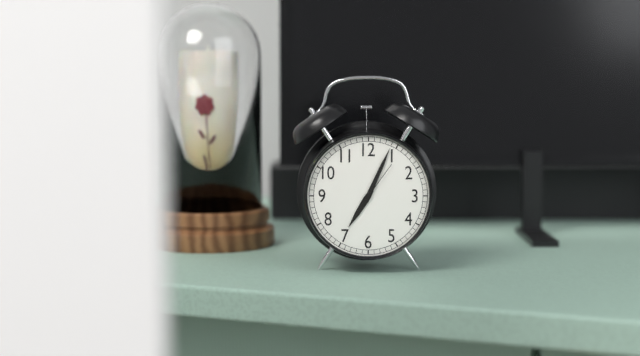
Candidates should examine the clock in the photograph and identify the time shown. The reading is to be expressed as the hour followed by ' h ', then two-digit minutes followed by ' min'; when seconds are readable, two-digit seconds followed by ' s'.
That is 7 h 04 min
